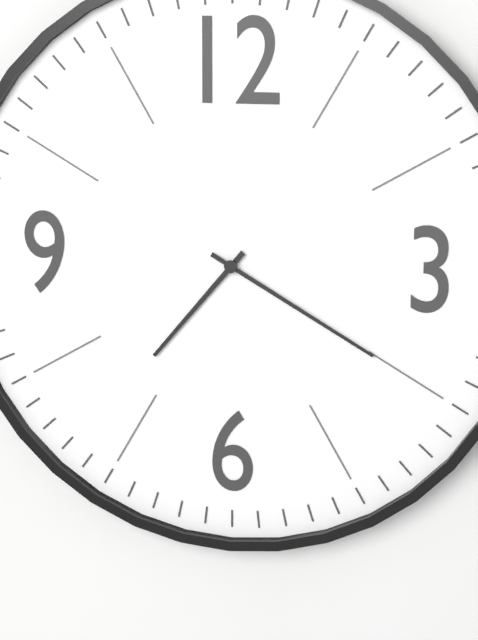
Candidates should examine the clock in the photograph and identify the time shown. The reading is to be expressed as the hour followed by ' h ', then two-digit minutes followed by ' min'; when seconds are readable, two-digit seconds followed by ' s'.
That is 7 h 20 min
